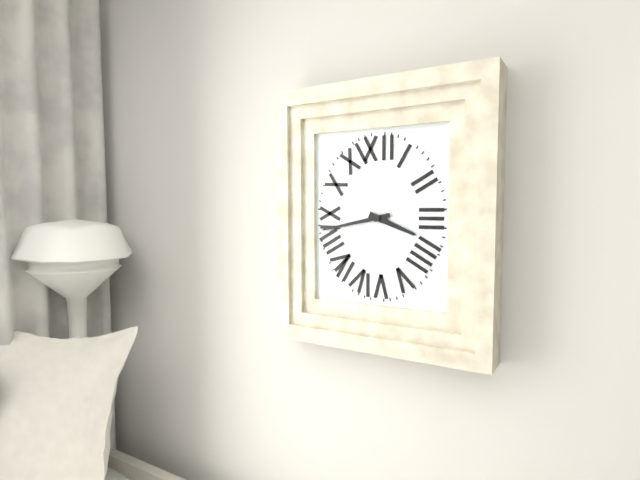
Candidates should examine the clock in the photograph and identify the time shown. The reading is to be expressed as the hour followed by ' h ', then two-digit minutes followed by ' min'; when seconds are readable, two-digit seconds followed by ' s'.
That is 3 h 43 min
